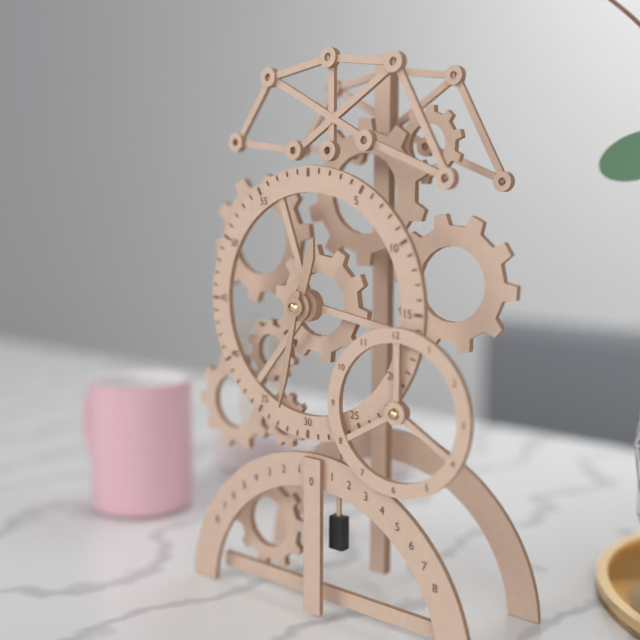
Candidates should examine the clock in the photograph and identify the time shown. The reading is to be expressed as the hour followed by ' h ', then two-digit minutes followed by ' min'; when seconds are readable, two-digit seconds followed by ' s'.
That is 12 h 32 min
